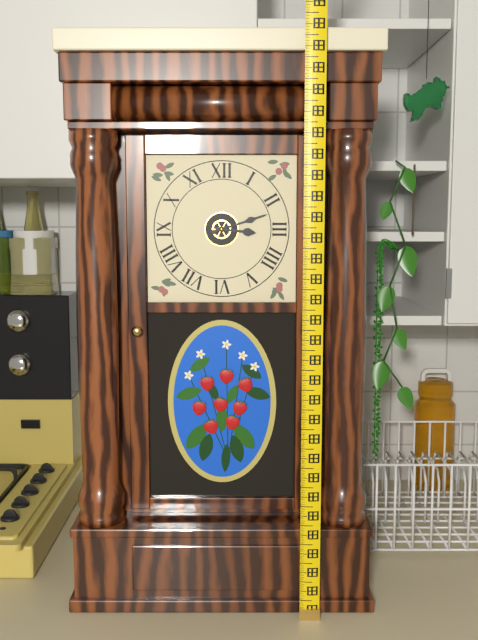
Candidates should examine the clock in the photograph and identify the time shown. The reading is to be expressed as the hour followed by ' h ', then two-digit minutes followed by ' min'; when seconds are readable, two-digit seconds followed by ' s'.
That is 3 h 12 min
